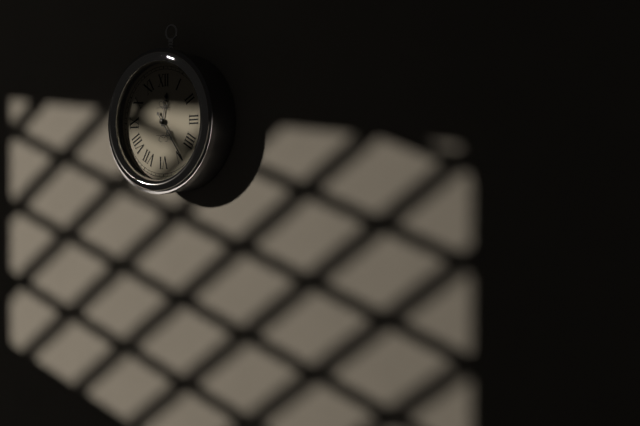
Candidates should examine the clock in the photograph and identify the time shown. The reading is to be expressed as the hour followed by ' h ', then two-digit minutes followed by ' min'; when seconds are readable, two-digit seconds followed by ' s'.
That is 12 h 24 min
